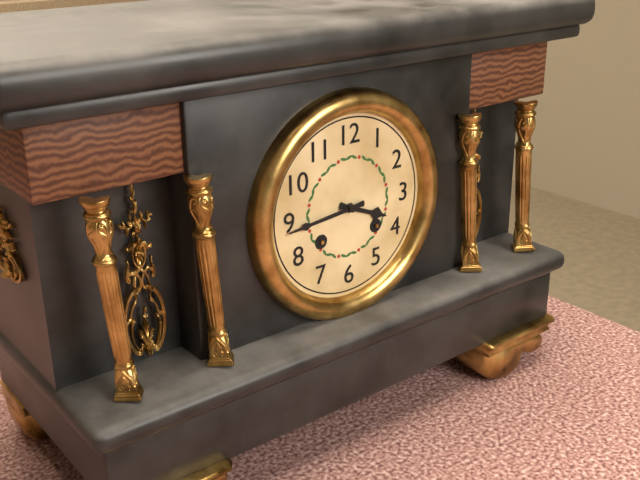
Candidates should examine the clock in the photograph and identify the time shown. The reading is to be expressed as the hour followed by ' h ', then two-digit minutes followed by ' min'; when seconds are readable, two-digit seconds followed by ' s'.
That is 3 h 44 min
